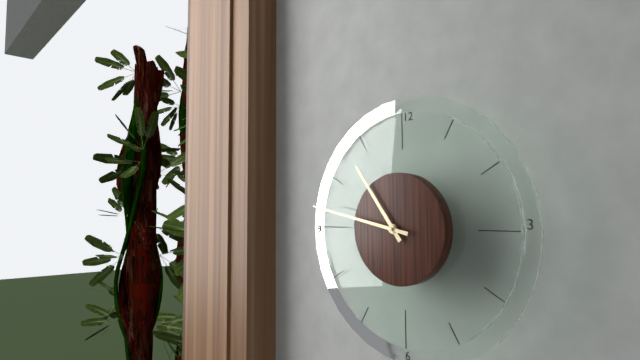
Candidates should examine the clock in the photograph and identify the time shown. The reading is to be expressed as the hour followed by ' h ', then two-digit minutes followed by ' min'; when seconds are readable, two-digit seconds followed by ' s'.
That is 10 h 47 min
